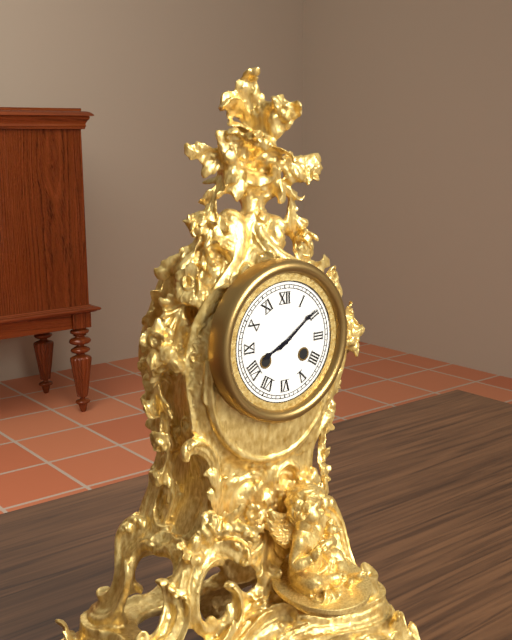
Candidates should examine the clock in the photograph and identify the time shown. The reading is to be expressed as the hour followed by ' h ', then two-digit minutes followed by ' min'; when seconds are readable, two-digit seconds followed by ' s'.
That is 8 h 09 min
